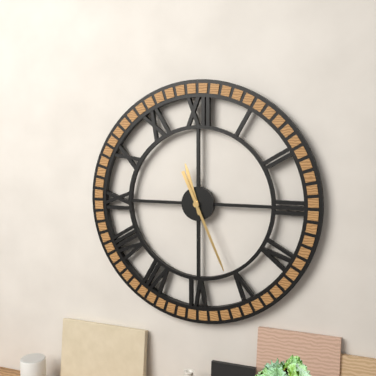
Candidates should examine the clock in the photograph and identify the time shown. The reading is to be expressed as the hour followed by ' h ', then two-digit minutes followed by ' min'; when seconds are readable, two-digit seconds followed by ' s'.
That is 11 h 26 min
